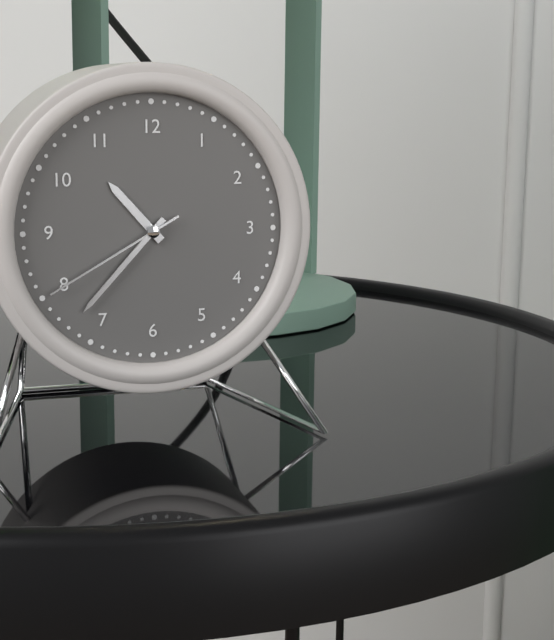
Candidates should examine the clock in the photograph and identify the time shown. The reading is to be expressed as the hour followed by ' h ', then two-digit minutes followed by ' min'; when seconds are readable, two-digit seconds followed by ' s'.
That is 10 h 37 min 40 s
